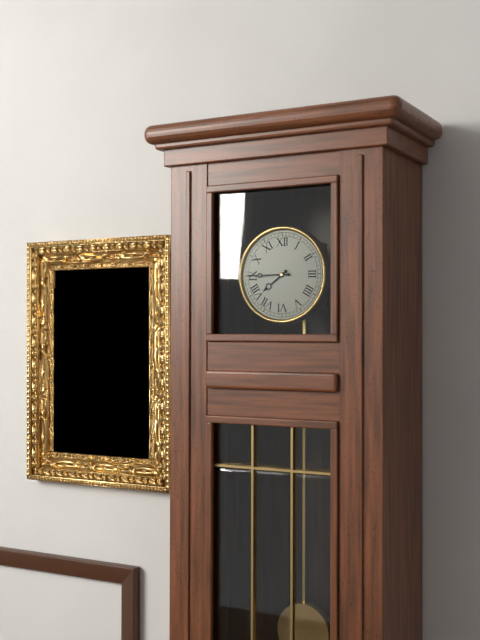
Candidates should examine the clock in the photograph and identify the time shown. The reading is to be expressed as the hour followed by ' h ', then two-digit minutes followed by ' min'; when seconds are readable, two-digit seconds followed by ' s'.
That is 7 h 45 min
